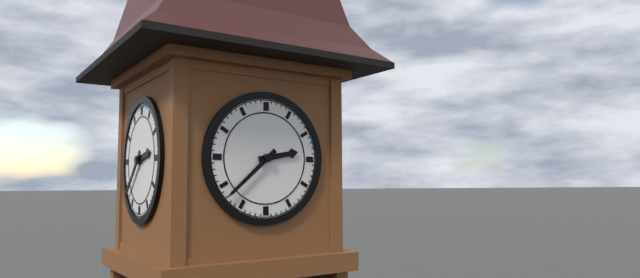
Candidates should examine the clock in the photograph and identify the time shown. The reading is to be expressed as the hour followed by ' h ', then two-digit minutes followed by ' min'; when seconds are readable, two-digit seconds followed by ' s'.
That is 2 h 38 min
